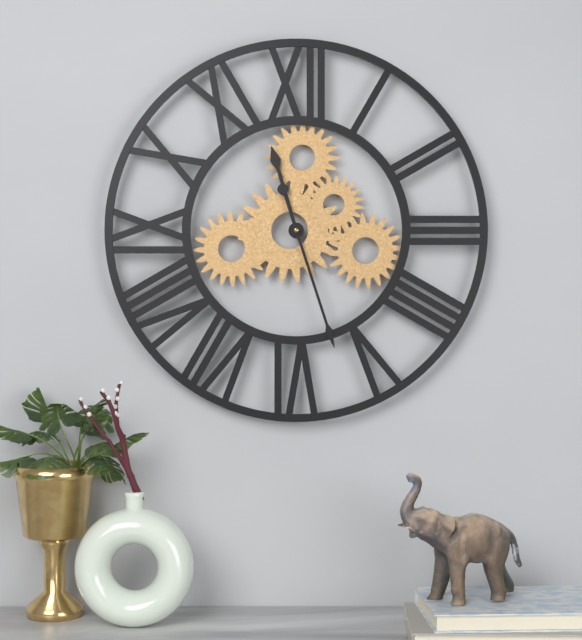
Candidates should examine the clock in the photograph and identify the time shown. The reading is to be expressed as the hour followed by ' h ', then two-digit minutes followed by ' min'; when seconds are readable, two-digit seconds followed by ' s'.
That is 11 h 27 min
